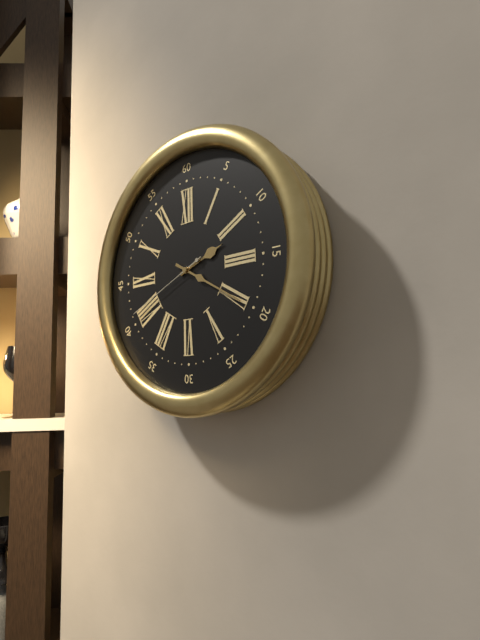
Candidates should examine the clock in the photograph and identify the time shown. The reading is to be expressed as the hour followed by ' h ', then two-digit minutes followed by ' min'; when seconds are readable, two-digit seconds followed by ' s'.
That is 2 h 20 min 41 s
